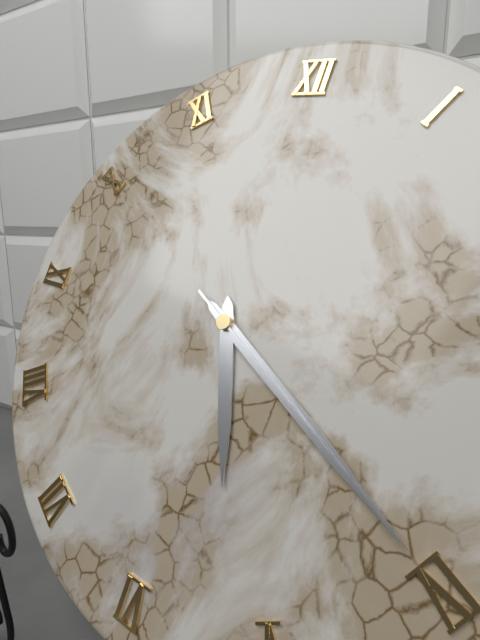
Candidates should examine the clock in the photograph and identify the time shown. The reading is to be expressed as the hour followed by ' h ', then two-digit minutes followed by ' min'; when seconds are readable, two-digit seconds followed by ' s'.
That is 5 h 20 min 20 s
